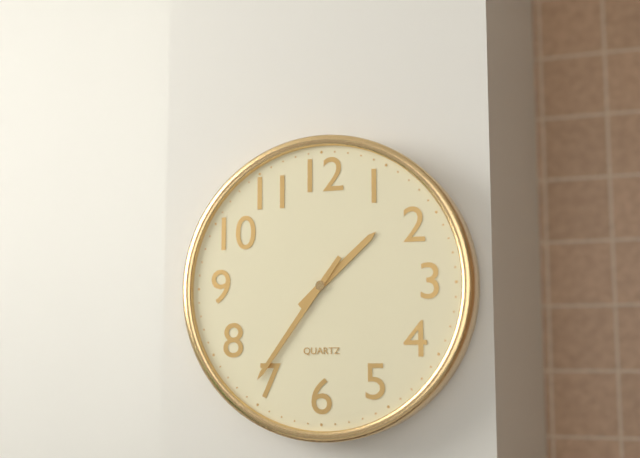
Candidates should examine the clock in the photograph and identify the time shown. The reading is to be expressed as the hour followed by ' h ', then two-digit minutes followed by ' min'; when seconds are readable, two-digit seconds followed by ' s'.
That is 1 h 36 min
